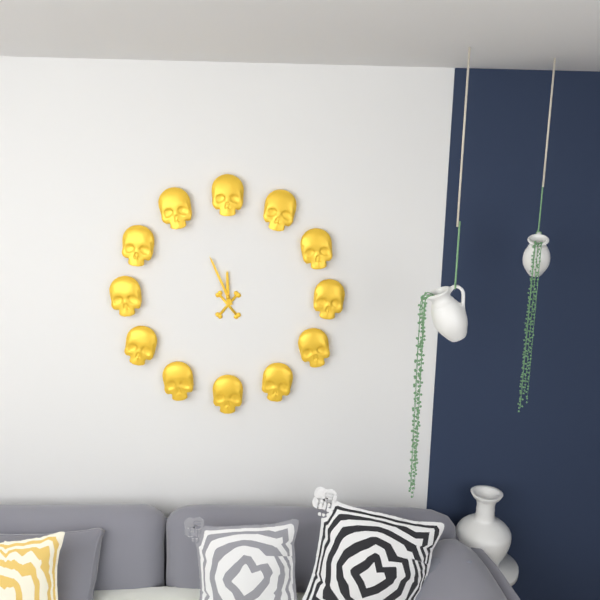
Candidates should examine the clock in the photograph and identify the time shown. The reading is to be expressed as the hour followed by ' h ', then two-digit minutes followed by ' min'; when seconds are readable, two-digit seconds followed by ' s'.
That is 11 h 56 min
